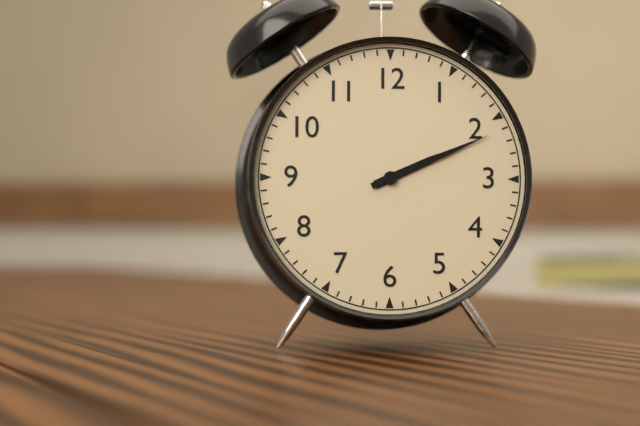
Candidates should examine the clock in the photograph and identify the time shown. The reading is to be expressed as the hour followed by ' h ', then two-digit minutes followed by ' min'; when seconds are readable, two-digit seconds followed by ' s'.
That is 2 h 11 min
